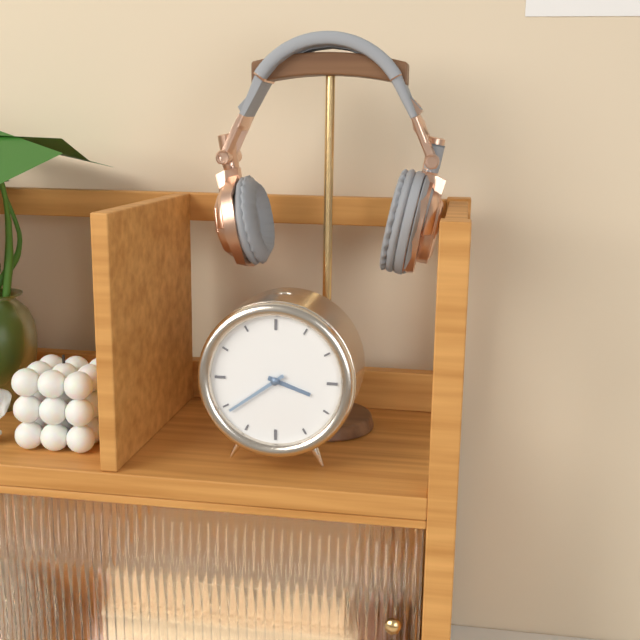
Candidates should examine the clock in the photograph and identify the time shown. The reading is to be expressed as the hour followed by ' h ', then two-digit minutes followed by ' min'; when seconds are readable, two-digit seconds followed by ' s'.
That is 3 h 39 min
